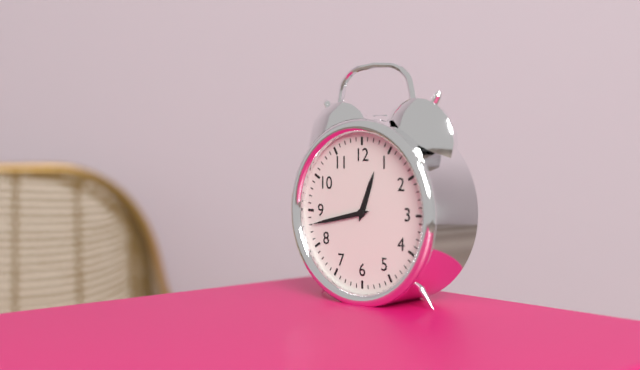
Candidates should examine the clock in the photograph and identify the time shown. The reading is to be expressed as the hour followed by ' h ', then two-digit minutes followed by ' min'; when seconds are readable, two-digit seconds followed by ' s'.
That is 12 h 43 min
